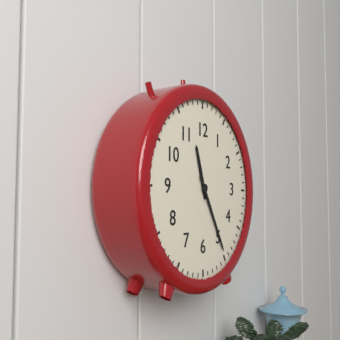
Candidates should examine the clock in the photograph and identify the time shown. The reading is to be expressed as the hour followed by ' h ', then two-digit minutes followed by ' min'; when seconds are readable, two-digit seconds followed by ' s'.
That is 11 h 25 min
